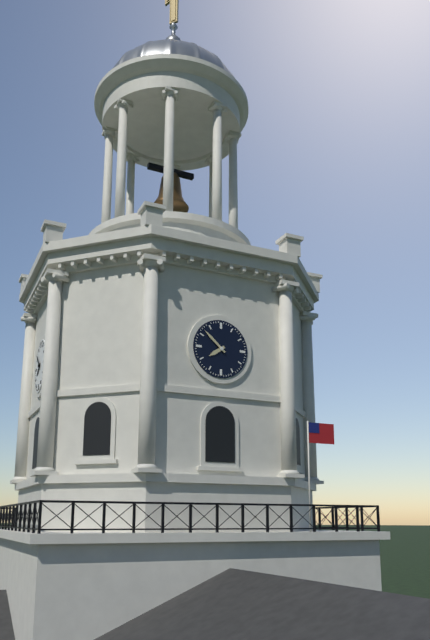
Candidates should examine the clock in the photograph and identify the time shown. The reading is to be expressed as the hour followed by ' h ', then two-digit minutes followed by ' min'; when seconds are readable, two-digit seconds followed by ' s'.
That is 7 h 52 min
